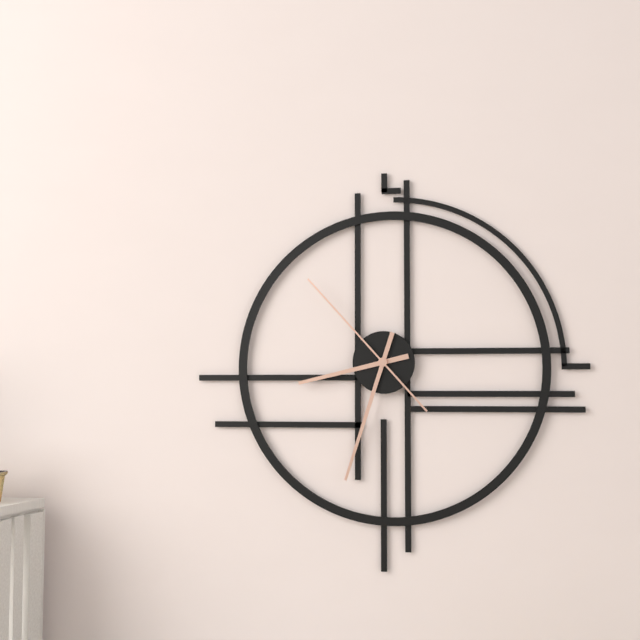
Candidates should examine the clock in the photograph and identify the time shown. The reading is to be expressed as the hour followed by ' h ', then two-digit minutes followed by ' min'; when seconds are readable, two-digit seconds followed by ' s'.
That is 8 h 33 min 53 s
